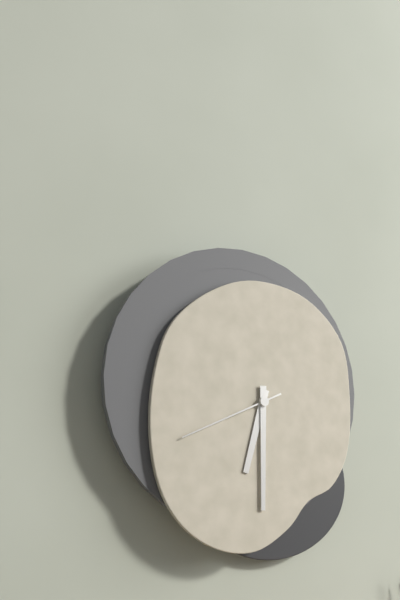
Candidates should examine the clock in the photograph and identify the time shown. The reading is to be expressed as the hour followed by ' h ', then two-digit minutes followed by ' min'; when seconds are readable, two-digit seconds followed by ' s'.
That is 6 h 30 min 41 s
